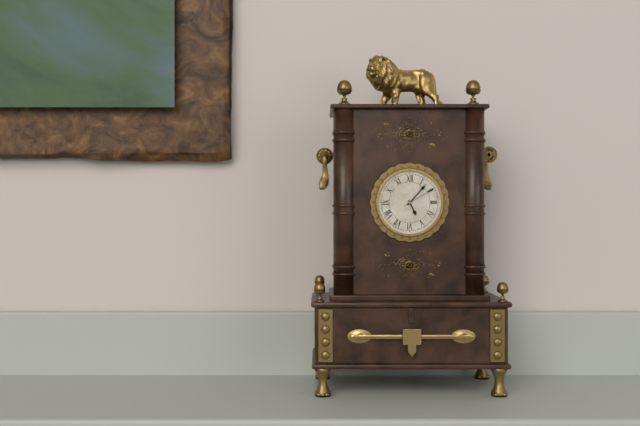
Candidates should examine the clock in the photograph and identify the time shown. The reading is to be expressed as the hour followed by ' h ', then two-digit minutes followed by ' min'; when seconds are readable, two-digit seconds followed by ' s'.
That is 5 h 07 min
